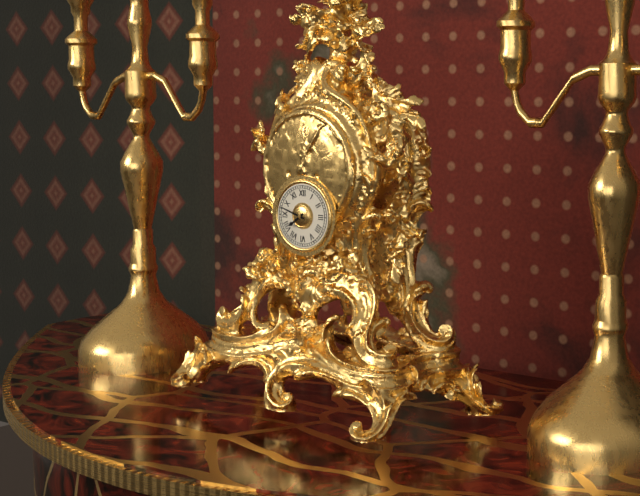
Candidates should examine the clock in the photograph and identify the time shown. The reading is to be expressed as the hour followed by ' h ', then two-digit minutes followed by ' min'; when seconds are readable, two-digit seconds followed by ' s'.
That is 7 h 48 min
